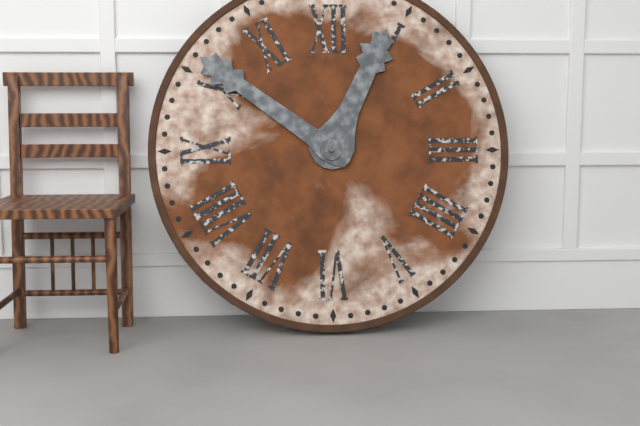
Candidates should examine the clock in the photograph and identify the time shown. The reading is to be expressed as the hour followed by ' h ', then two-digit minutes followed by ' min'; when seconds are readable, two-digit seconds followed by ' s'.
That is 12 h 51 min
